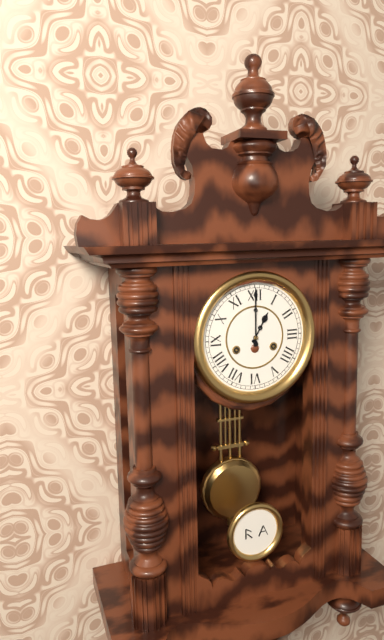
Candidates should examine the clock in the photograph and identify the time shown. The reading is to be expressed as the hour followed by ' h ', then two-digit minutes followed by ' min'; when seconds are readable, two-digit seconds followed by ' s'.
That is 1 h 00 min
